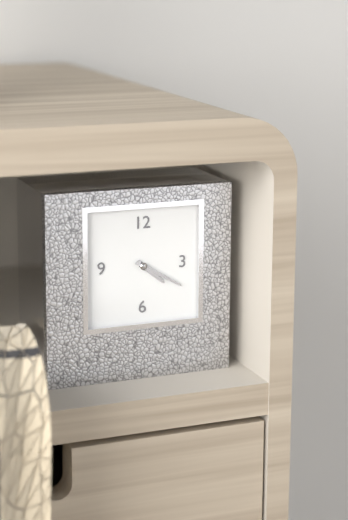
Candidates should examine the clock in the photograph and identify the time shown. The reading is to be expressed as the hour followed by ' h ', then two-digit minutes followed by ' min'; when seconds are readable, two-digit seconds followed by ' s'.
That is 4 h 20 min
